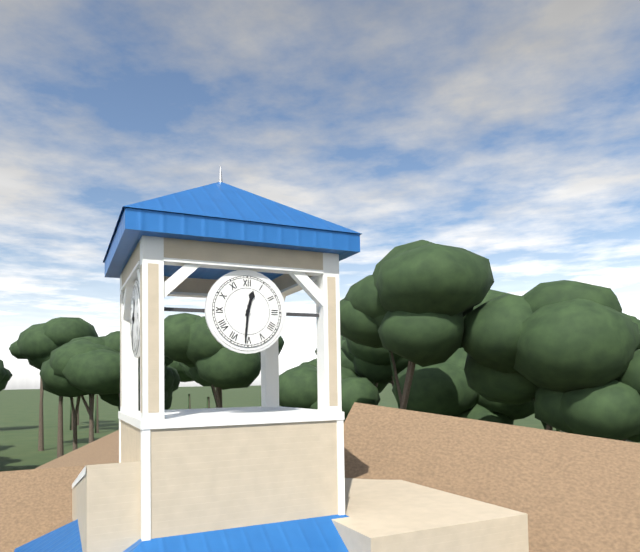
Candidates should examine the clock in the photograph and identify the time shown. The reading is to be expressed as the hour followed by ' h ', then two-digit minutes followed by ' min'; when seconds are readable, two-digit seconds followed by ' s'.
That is 12 h 31 min
